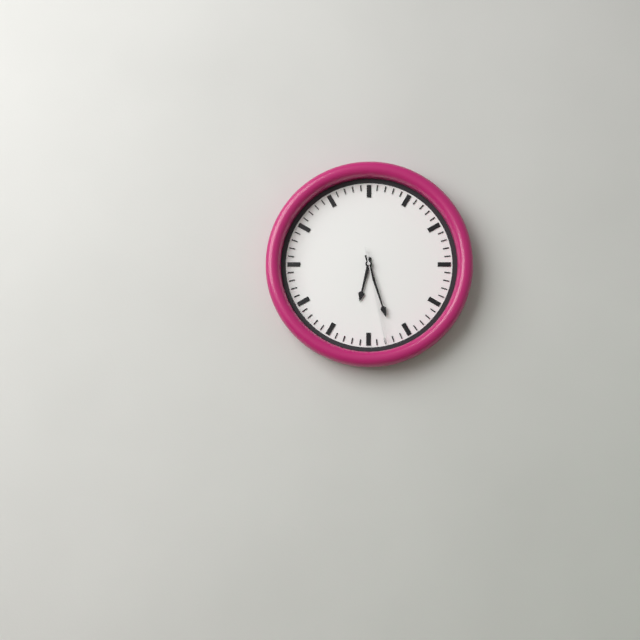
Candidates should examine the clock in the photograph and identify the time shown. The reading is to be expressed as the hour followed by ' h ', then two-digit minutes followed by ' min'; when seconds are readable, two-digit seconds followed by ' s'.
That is 6 h 27 min 28 s
